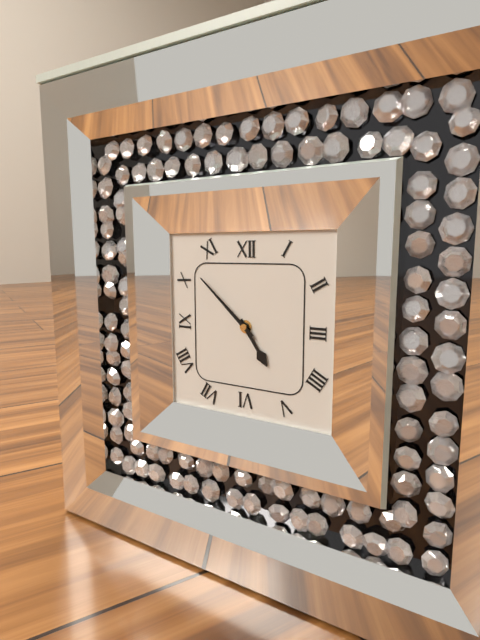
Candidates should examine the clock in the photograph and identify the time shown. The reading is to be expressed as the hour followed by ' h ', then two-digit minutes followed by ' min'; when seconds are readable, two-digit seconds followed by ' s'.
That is 4 h 52 min
